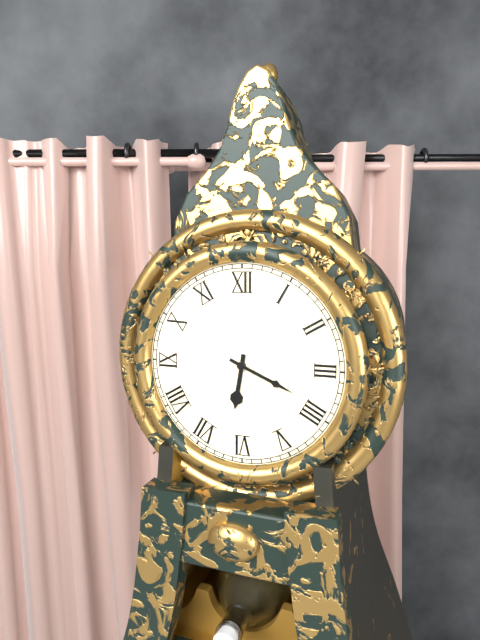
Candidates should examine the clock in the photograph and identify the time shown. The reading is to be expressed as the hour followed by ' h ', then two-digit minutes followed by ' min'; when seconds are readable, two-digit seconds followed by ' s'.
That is 6 h 19 min
